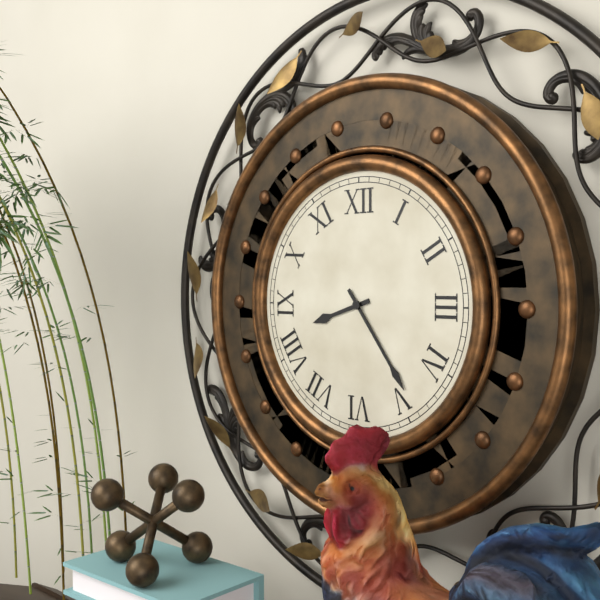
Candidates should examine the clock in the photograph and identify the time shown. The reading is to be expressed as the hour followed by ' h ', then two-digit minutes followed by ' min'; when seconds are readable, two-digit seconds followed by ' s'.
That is 8 h 24 min
